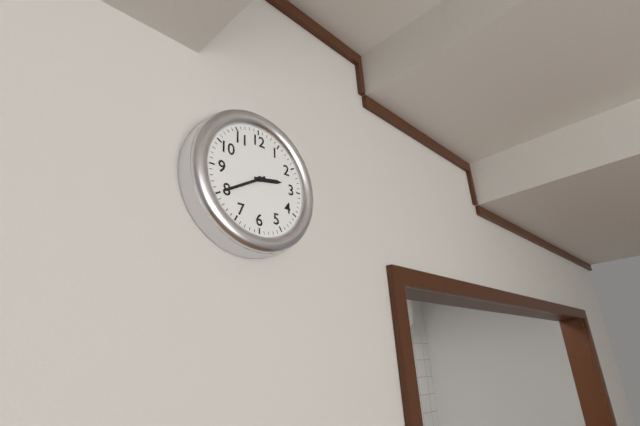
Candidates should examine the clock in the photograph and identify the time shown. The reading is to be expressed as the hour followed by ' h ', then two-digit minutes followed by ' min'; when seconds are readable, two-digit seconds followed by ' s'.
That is 2 h 40 min
